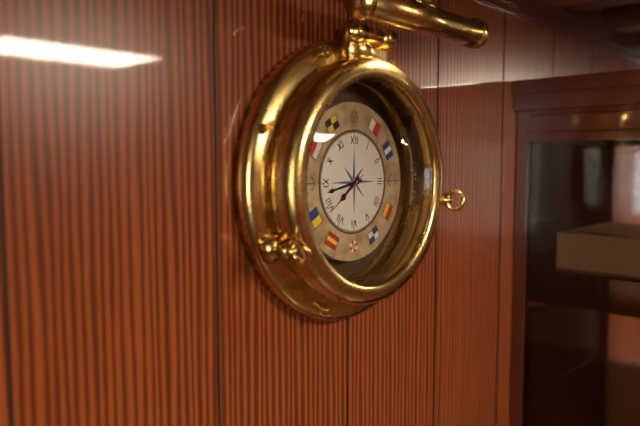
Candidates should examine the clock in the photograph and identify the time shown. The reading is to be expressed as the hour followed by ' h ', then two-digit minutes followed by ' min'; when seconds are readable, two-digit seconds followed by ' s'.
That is 7 h 43 min
